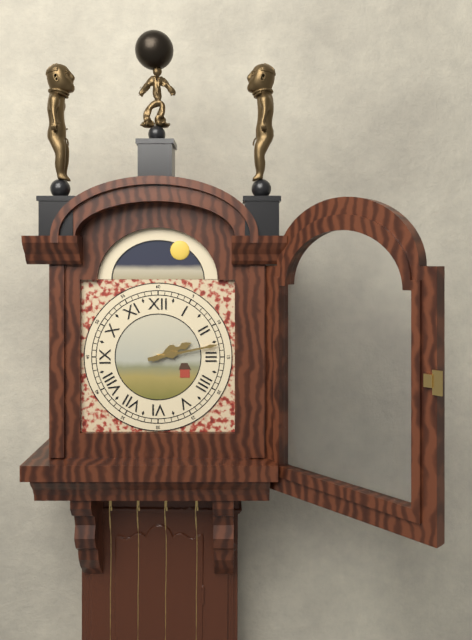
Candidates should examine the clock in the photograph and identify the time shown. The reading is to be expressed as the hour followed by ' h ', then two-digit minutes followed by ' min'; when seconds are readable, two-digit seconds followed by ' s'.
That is 2 h 13 min
